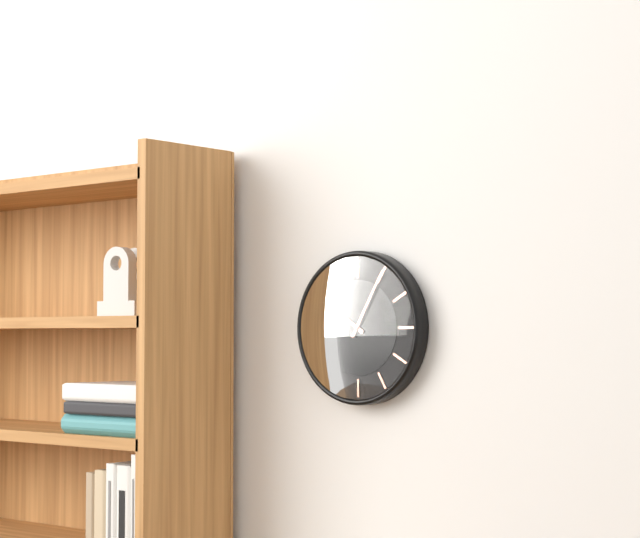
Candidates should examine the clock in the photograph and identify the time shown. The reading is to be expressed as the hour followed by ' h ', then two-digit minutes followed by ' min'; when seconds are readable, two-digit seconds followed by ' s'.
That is 10 h 05 min
